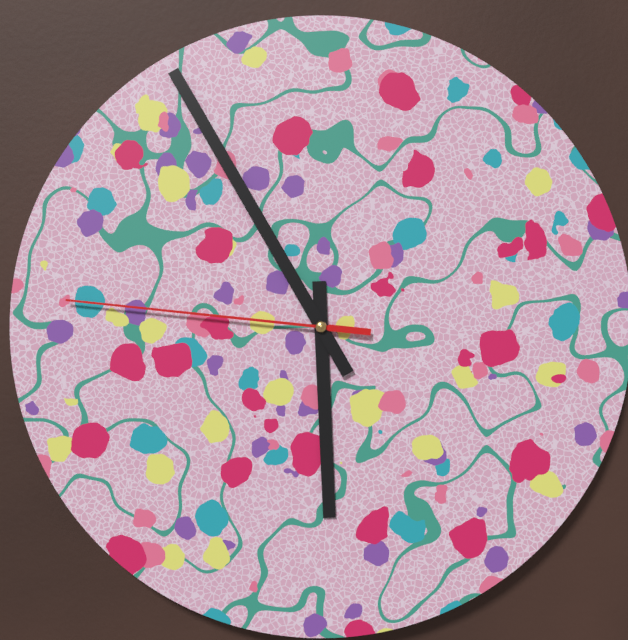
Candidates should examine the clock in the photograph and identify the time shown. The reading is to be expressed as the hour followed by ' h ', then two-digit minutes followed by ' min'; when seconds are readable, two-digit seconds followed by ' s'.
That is 5 h 55 min 46 s
